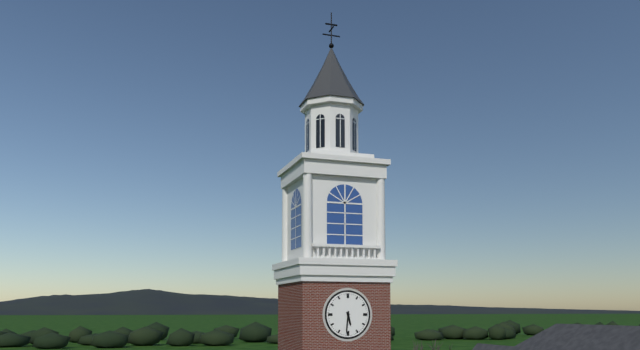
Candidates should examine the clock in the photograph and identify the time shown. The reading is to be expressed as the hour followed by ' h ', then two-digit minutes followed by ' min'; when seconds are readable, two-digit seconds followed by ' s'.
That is 5 h 31 min
